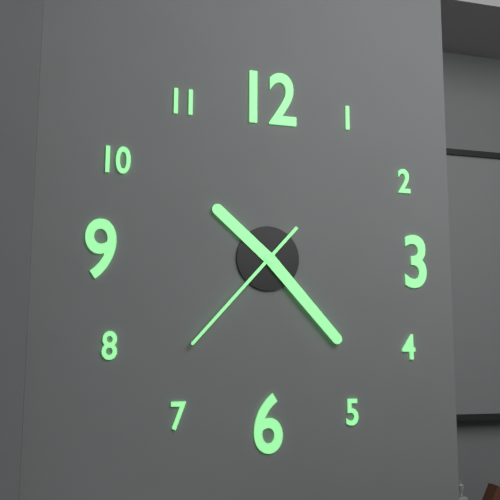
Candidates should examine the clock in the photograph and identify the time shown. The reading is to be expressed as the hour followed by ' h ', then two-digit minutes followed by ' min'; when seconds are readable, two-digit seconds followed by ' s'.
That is 10 h 23 min 37 s
